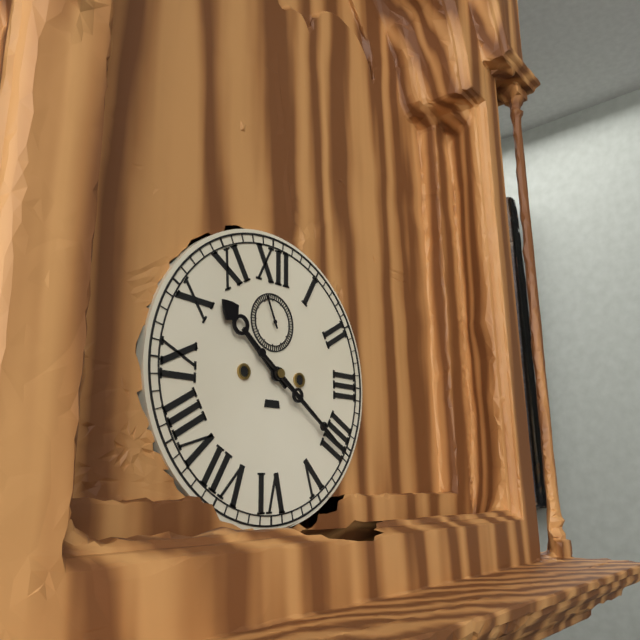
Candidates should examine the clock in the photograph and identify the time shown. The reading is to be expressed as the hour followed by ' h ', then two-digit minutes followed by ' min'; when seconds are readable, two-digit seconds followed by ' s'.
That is 10 h 21 min
